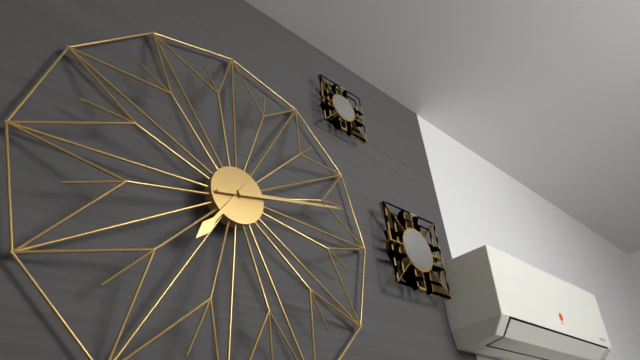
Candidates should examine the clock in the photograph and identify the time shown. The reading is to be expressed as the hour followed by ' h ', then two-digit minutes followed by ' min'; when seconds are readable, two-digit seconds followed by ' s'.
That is 7 h 13 min
